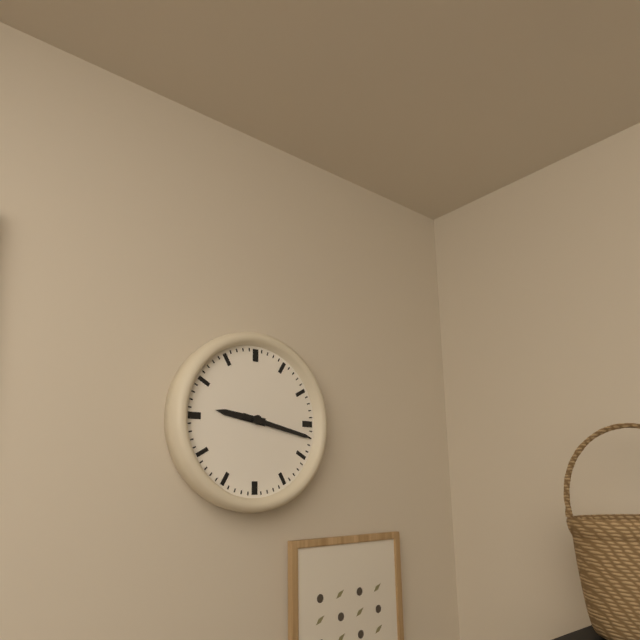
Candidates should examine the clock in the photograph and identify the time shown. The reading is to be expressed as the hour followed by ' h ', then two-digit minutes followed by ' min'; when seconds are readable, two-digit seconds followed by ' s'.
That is 9 h 17 min
